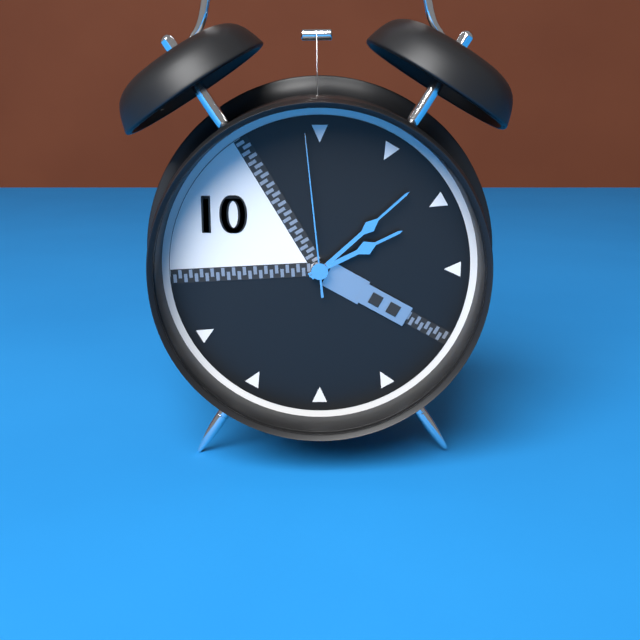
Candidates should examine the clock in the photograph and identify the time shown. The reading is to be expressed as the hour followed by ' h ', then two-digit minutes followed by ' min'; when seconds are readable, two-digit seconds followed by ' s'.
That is 2 h 08 min 59 s
